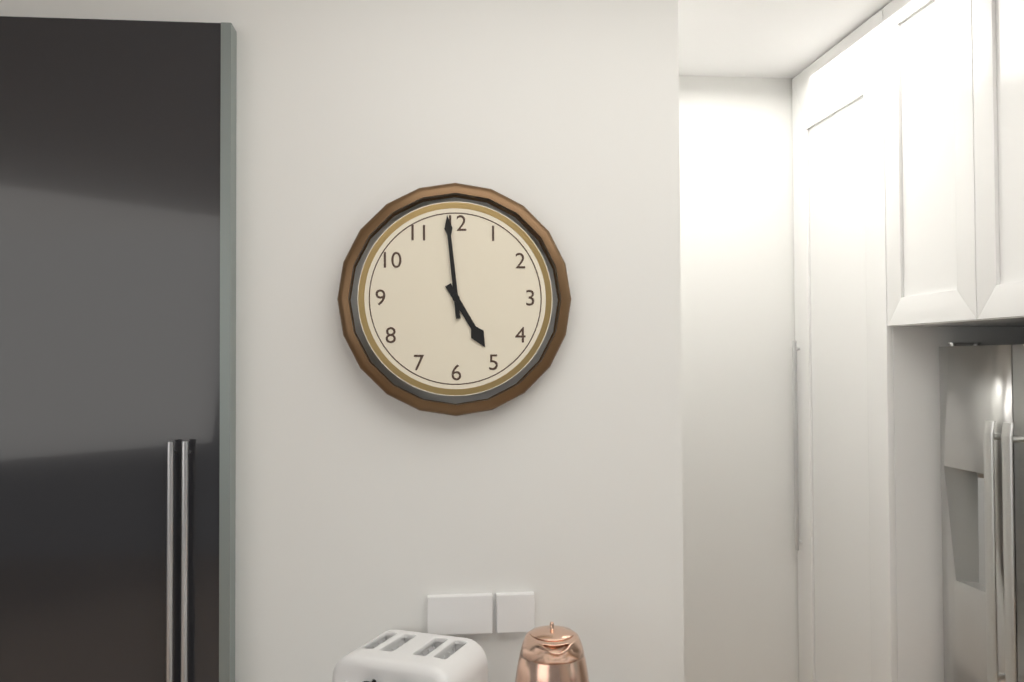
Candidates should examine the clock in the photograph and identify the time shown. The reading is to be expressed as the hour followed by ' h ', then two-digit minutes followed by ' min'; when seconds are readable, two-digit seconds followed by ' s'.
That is 4 h 59 min
